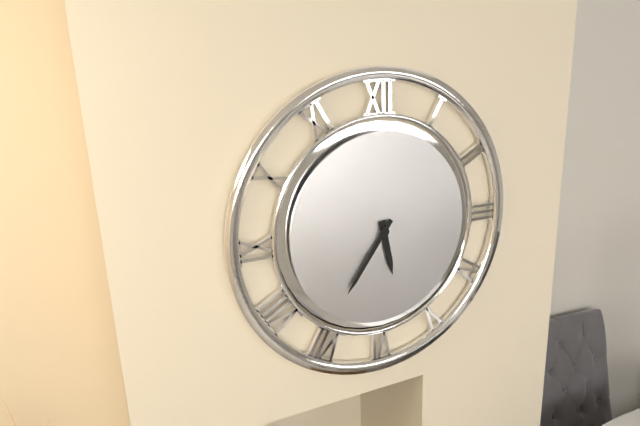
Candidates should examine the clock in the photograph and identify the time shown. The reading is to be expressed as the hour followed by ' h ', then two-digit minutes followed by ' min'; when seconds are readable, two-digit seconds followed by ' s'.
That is 5 h 36 min
